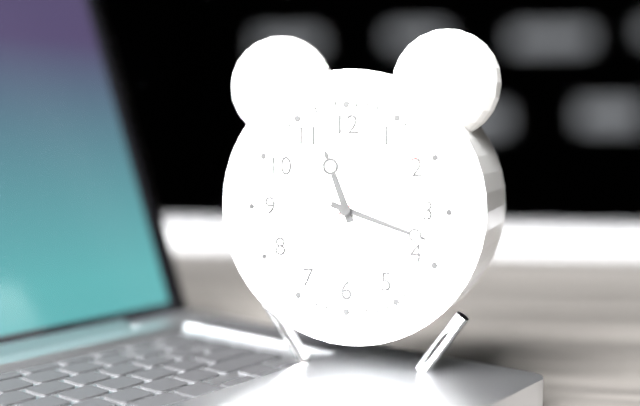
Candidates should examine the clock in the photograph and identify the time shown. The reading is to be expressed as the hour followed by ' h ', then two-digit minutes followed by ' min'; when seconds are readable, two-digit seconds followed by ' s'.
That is 11 h 18 min 09 s
